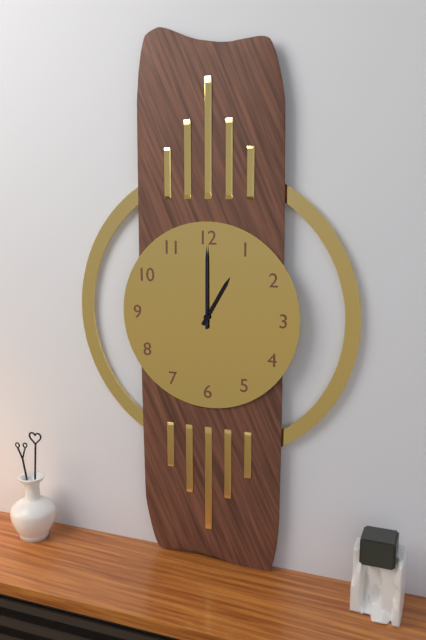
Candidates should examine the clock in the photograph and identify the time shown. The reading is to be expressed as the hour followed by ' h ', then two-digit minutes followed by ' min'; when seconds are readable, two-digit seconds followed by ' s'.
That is 1 h 00 min
